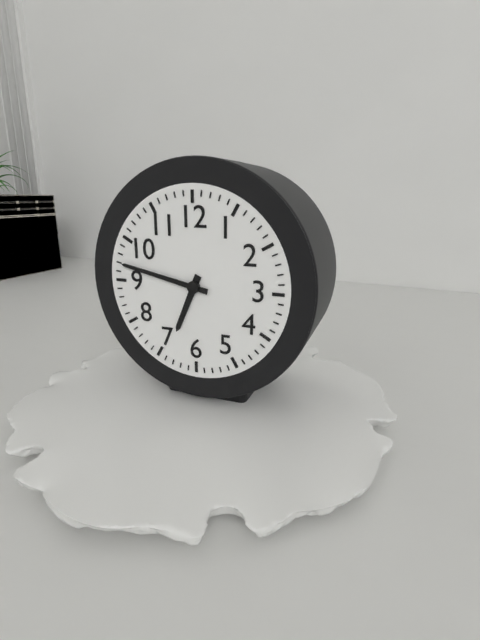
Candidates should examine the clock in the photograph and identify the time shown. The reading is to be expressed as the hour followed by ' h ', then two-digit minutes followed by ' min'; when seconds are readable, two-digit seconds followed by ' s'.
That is 6 h 47 min
